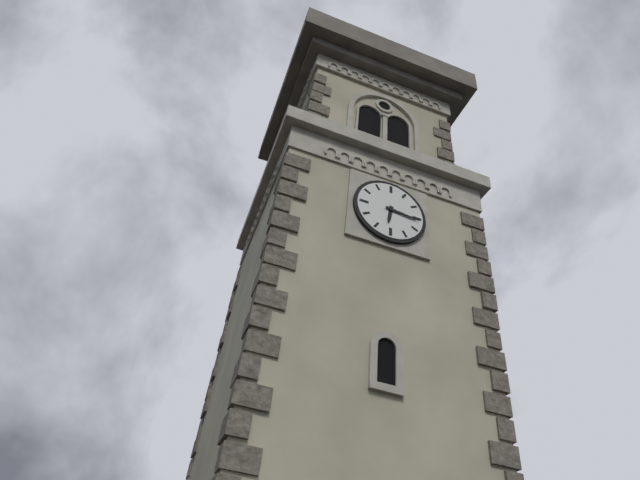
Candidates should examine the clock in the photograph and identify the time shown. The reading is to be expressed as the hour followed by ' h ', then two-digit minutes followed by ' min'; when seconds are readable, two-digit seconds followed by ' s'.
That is 6 h 16 min
